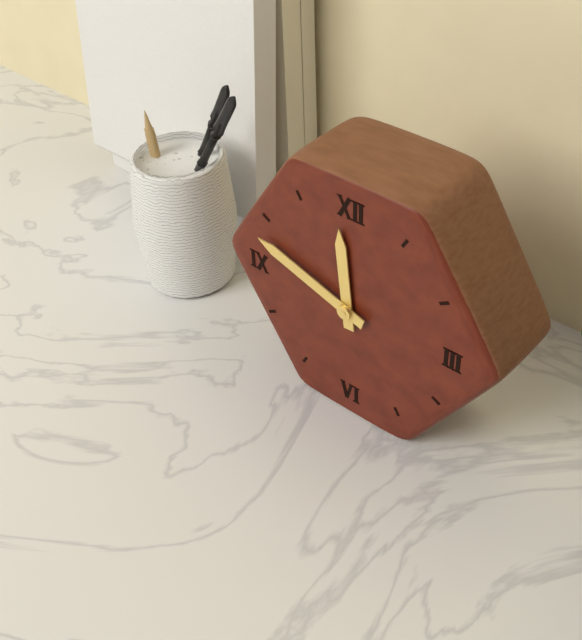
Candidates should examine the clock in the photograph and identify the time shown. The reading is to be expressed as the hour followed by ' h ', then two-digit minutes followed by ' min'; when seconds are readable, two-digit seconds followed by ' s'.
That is 11 h 48 min
